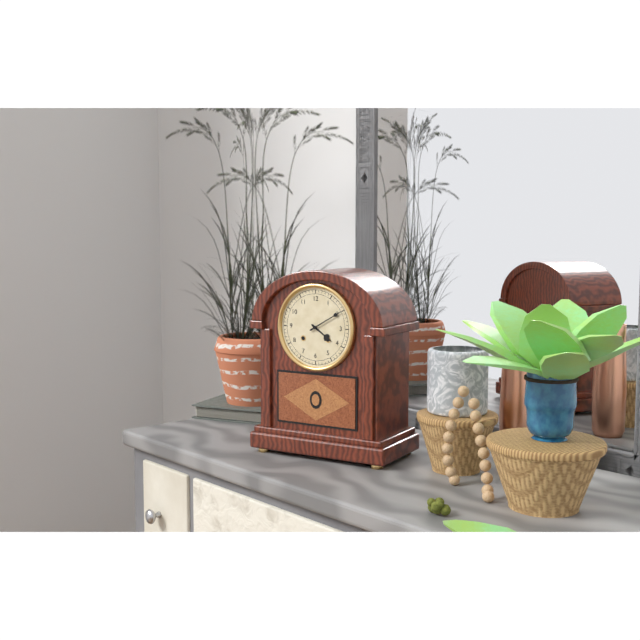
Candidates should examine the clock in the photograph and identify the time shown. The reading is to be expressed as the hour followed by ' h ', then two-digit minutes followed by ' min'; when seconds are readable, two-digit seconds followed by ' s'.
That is 4 h 10 min
